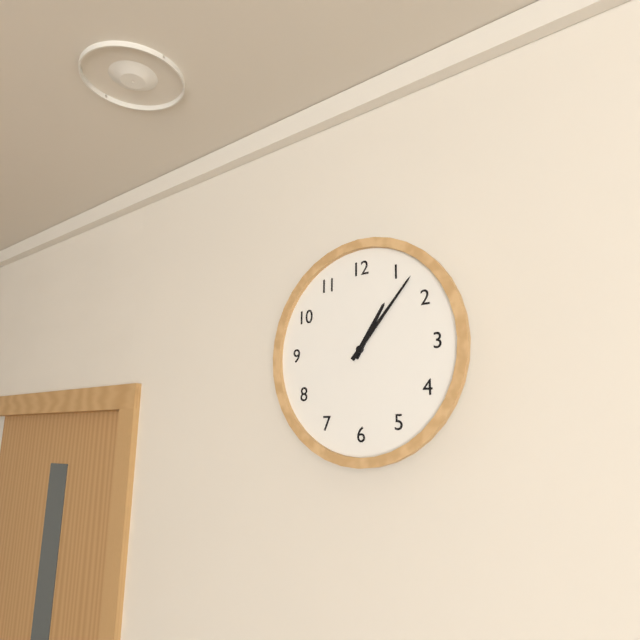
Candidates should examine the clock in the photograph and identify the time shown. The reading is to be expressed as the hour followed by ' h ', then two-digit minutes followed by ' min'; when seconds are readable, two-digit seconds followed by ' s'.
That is 1 h 07 min
